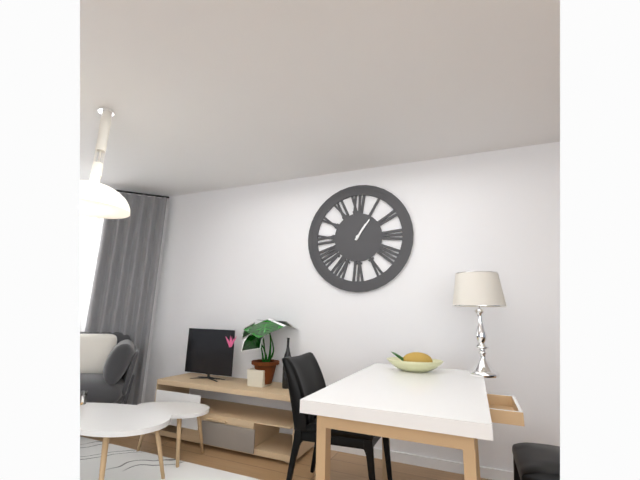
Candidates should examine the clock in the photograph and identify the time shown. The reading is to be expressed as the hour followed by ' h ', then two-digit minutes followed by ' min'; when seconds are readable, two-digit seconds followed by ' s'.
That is 1 h 06 min
